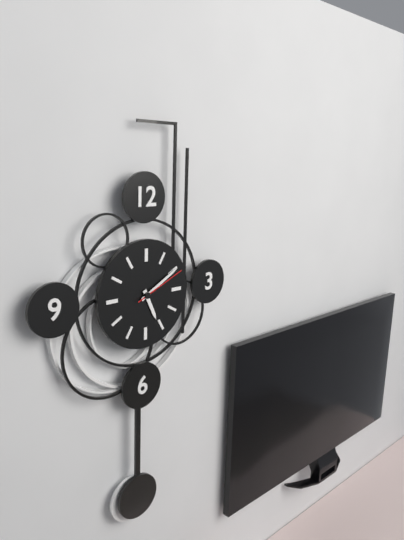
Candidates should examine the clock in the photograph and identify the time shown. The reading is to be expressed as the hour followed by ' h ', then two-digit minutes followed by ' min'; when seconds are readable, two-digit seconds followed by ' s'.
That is 5 h 10 min 11 s
